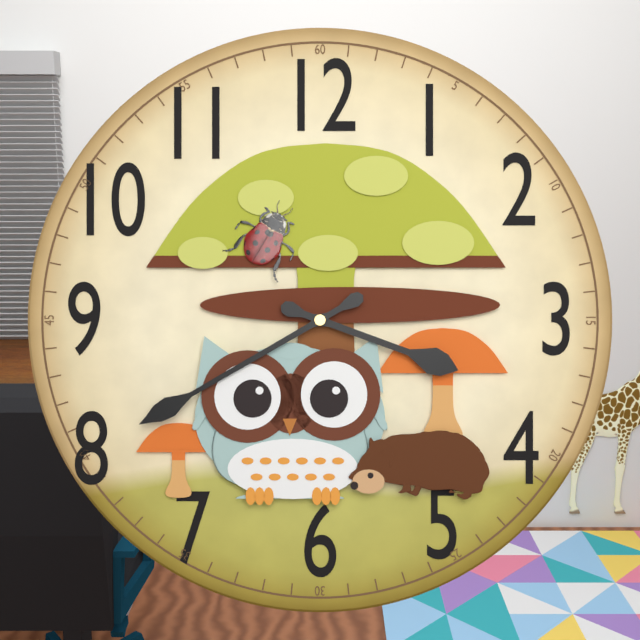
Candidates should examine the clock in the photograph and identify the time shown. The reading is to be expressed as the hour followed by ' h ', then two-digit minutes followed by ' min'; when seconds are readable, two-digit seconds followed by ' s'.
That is 3 h 40 min
